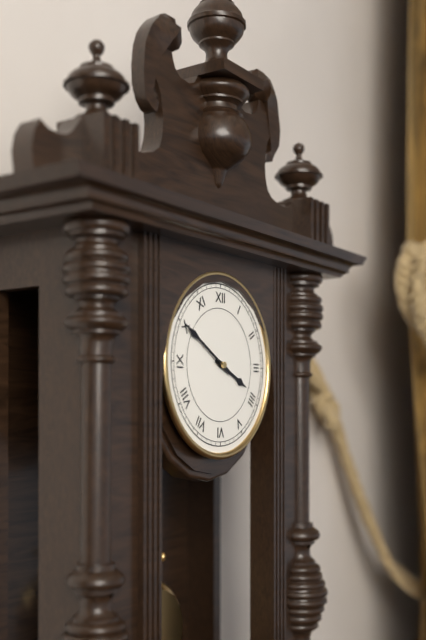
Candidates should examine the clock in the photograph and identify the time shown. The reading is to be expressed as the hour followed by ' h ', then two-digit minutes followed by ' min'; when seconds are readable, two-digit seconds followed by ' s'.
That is 3 h 50 min
